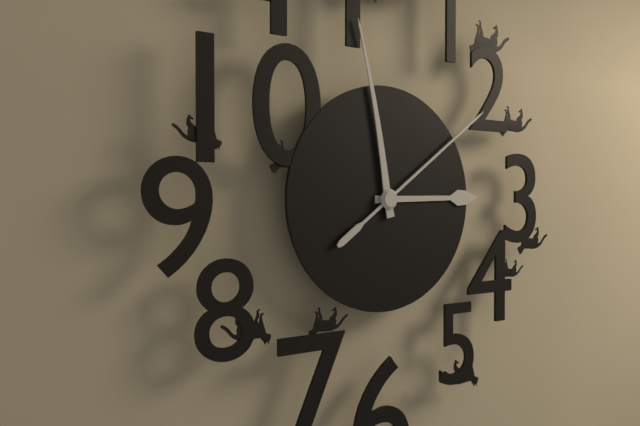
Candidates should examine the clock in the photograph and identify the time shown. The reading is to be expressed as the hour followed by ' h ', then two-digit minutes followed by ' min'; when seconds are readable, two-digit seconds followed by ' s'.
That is 2 h 58 min 09 s
